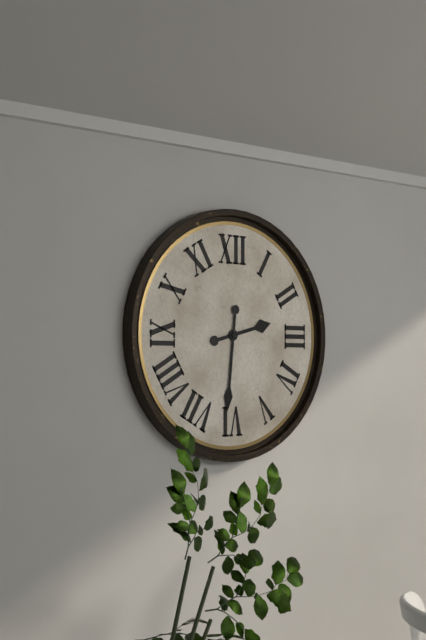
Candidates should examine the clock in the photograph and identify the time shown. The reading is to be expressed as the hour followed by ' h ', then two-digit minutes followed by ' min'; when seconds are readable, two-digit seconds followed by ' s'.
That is 2 h 31 min
